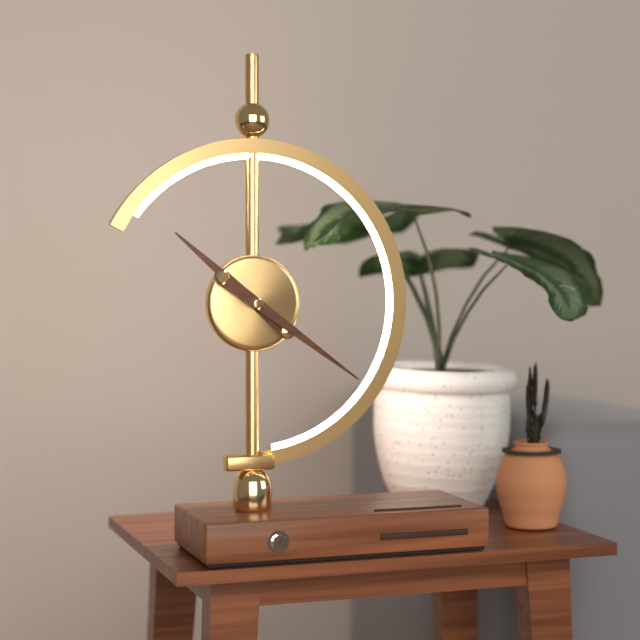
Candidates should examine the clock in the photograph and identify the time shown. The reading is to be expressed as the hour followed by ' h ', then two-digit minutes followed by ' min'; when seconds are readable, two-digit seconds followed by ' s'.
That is 10 h 21 min
